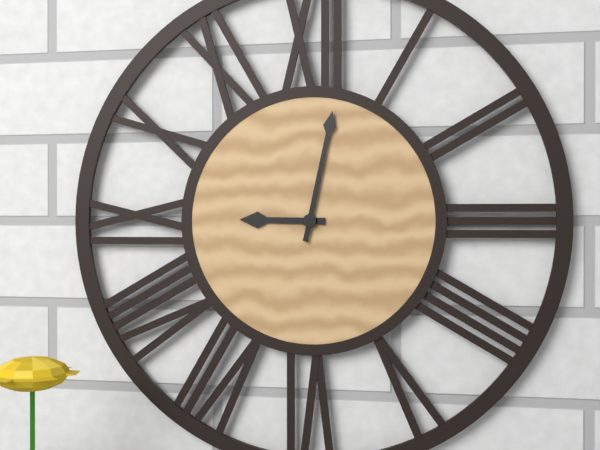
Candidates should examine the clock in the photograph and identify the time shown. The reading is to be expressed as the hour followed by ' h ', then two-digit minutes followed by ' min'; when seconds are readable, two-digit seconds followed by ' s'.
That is 9 h 02 min
